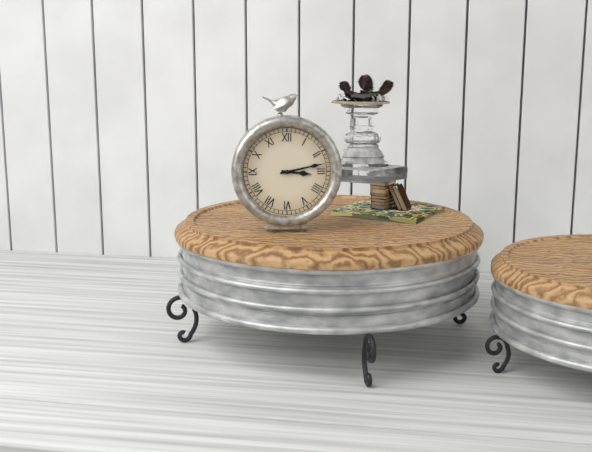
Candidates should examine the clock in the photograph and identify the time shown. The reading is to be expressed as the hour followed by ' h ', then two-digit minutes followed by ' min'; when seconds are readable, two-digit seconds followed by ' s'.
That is 3 h 13 min
